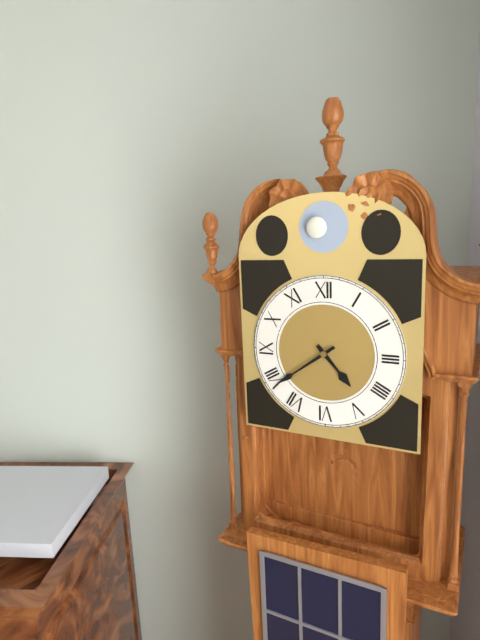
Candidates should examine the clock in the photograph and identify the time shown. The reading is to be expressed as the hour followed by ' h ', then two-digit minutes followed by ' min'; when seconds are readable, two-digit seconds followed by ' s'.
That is 4 h 39 min
